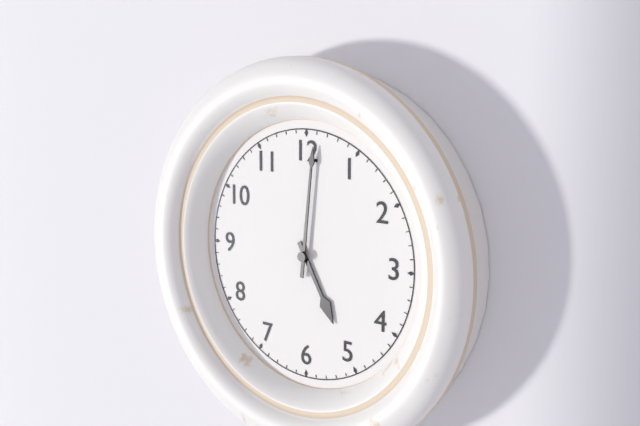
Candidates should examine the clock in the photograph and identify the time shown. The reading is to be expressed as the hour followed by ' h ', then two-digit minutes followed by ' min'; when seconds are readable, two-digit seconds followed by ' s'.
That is 5 h 01 min
